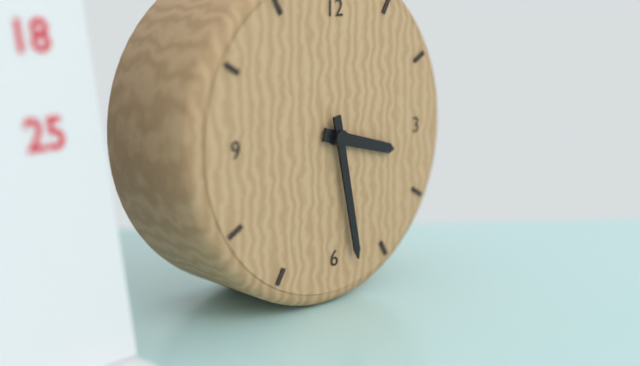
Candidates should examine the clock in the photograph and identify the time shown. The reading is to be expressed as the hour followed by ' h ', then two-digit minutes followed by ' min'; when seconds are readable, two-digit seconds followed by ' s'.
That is 3 h 28 min
